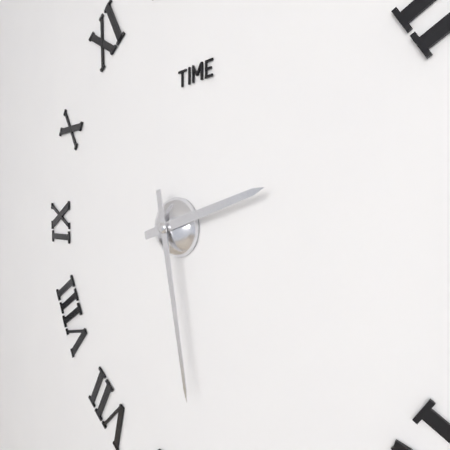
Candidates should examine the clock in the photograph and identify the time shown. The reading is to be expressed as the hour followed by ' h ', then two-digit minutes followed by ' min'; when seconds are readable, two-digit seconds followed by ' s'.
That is 2 h 28 min
